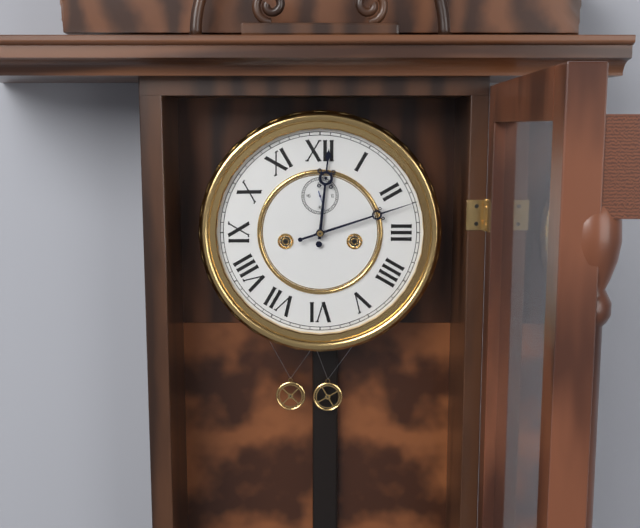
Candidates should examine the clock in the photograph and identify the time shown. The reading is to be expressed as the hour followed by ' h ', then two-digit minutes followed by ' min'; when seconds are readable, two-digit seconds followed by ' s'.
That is 12 h 12 min
